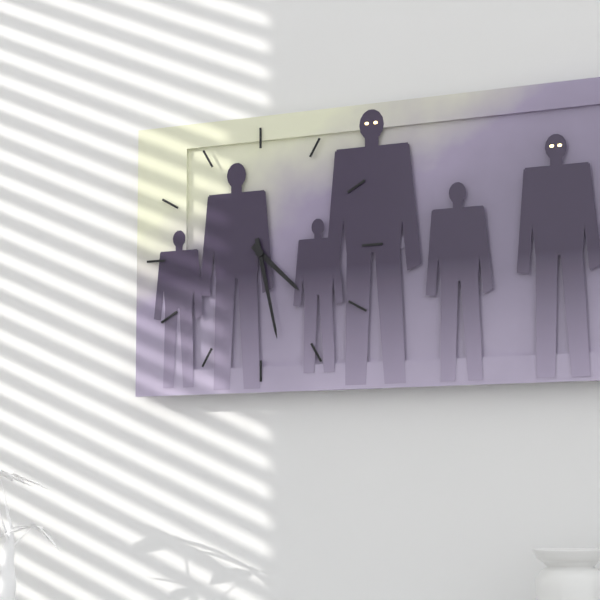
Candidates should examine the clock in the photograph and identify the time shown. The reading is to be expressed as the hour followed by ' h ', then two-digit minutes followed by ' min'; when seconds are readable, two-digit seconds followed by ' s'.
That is 4 h 28 min
